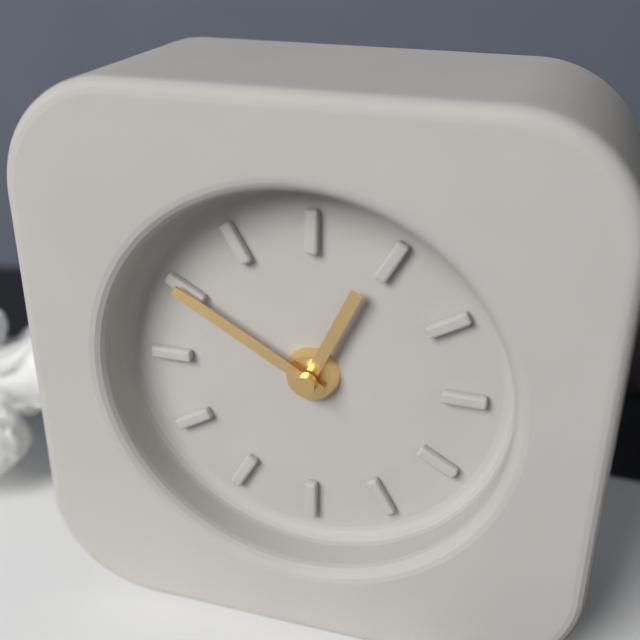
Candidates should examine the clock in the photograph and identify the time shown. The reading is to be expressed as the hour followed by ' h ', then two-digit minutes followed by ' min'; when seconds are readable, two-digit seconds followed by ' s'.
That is 12 h 50 min
